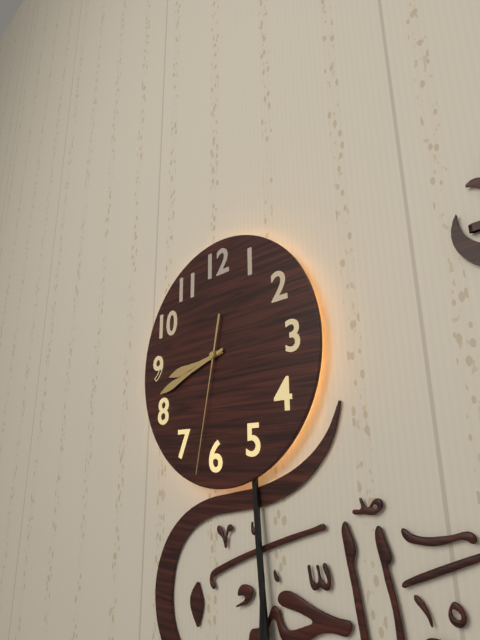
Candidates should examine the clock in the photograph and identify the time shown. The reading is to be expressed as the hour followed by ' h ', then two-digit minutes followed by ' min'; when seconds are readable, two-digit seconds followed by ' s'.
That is 8 h 42 min 32 s
